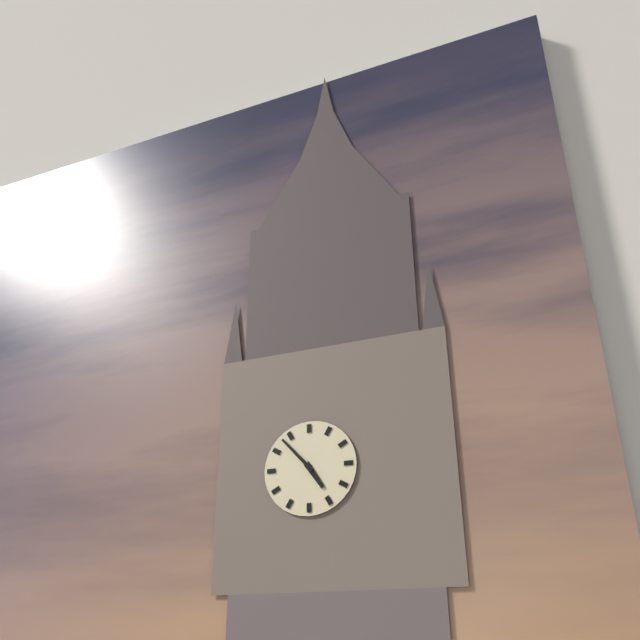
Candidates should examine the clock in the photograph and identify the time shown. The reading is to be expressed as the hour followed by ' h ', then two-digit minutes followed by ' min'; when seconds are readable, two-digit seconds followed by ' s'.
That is 4 h 53 min
